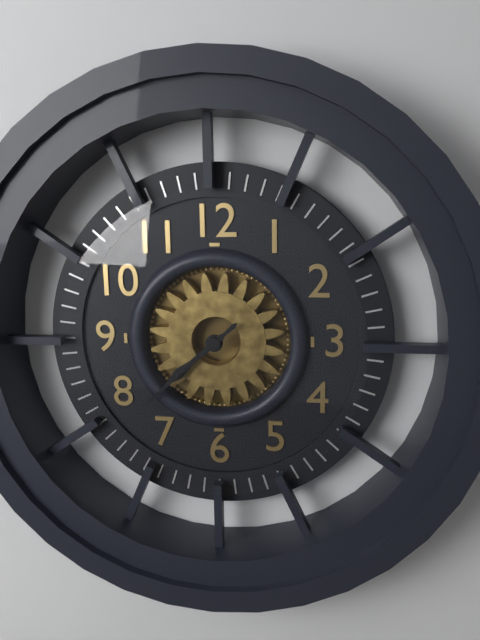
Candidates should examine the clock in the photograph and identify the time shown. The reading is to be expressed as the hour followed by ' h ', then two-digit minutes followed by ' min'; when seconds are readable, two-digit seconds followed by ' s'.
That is 7 h 38 min
